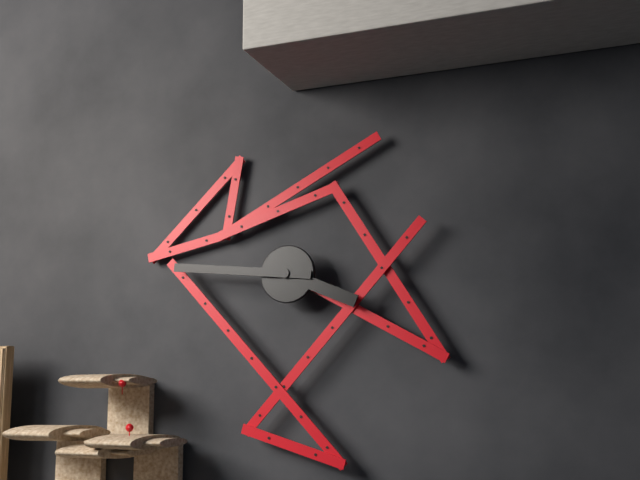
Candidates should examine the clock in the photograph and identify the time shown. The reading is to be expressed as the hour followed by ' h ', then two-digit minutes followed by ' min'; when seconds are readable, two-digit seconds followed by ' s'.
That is 3 h 46 min
